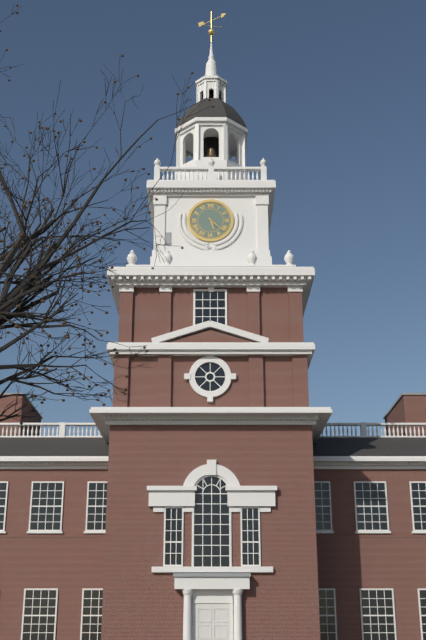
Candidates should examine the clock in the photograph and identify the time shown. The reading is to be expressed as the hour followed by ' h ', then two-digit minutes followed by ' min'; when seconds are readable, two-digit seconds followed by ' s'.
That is 5 h 22 min
